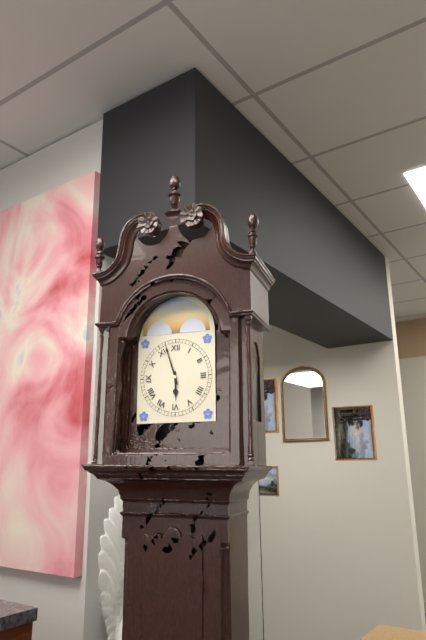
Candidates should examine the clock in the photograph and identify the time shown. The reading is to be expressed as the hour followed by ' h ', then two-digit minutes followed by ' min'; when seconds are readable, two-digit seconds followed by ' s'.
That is 5 h 57 min
